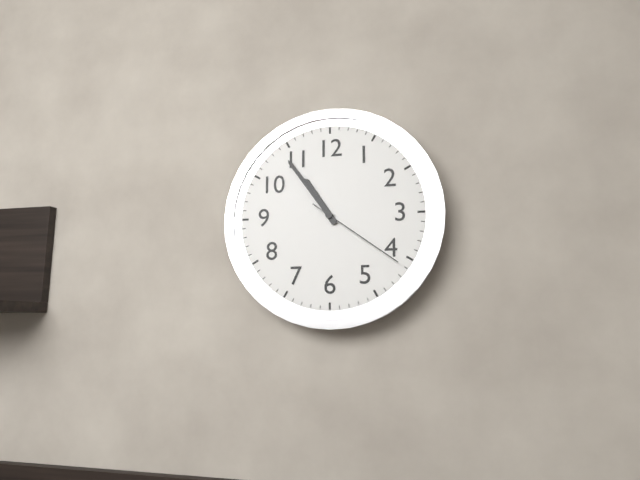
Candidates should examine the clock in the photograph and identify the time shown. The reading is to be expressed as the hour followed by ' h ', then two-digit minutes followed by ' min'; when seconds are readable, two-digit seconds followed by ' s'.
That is 10 h 54 min 21 s
